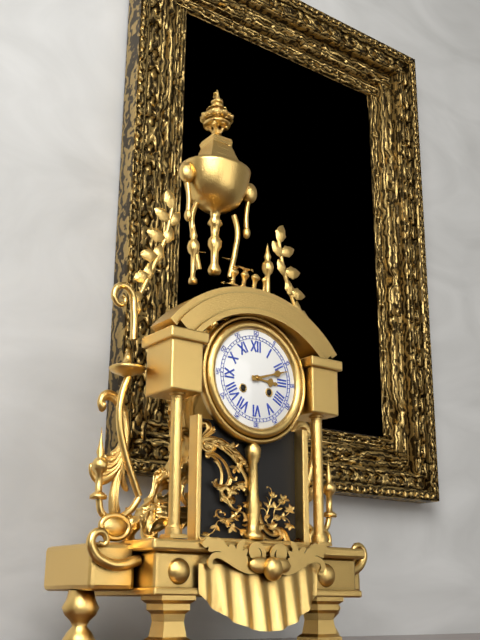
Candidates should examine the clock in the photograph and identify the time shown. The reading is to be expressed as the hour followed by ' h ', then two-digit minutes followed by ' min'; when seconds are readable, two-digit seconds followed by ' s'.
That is 3 h 12 min
